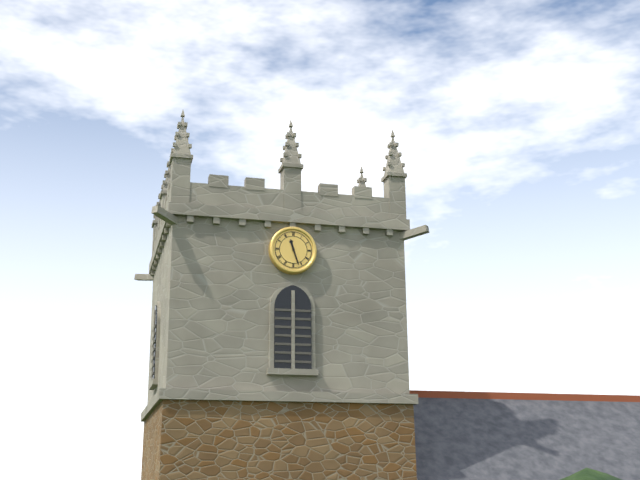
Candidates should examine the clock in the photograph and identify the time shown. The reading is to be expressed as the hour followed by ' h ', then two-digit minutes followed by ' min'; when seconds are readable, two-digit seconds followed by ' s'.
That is 11 h 27 min
